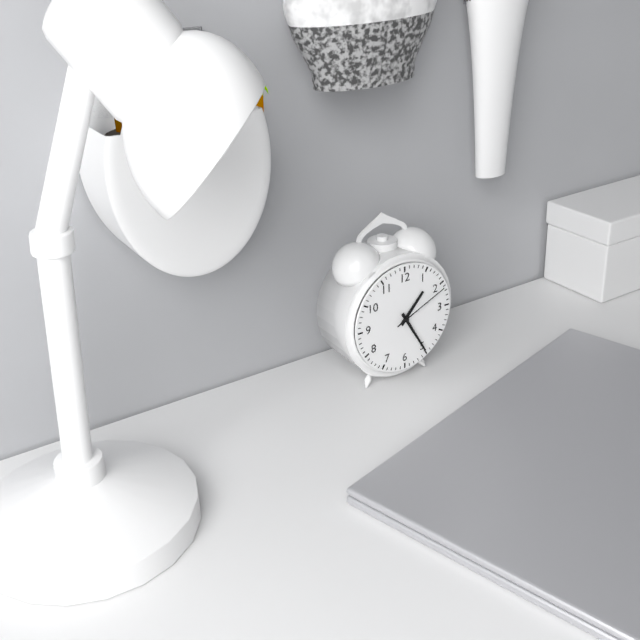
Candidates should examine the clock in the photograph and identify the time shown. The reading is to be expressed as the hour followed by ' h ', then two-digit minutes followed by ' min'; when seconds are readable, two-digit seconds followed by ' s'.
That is 1 h 25 min 11 s
